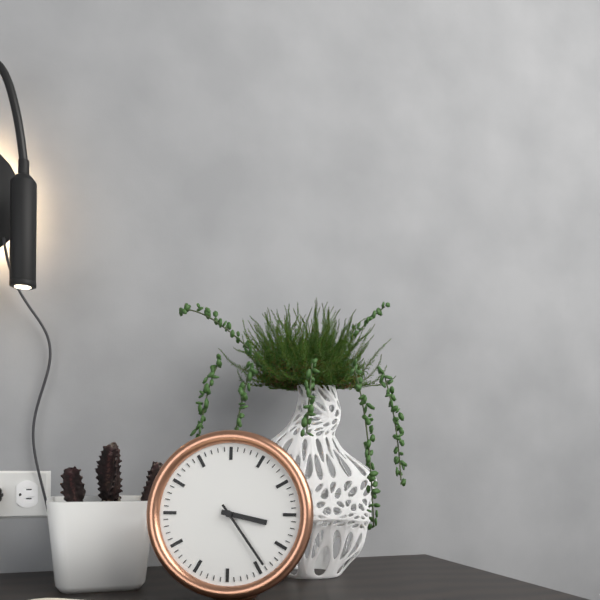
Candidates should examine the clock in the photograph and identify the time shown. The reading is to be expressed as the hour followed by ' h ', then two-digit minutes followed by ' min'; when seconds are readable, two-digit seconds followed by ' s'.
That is 3 h 24 min
